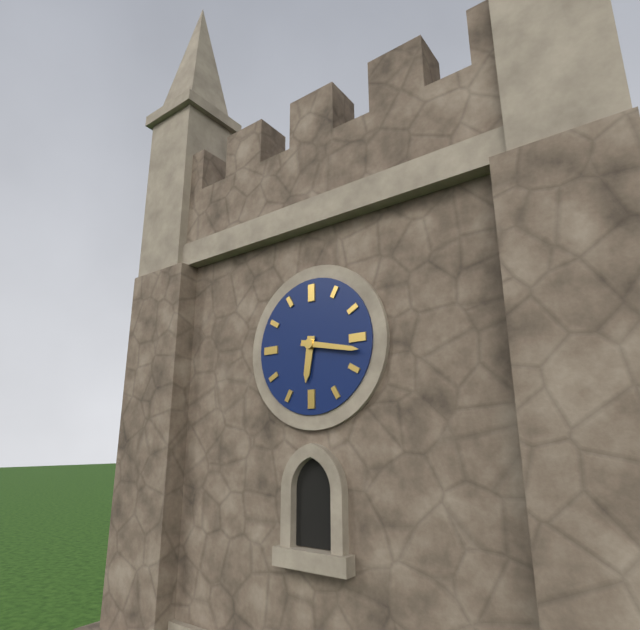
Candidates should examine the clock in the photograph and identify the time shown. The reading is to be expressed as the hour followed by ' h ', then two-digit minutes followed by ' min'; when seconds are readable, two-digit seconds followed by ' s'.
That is 6 h 17 min
